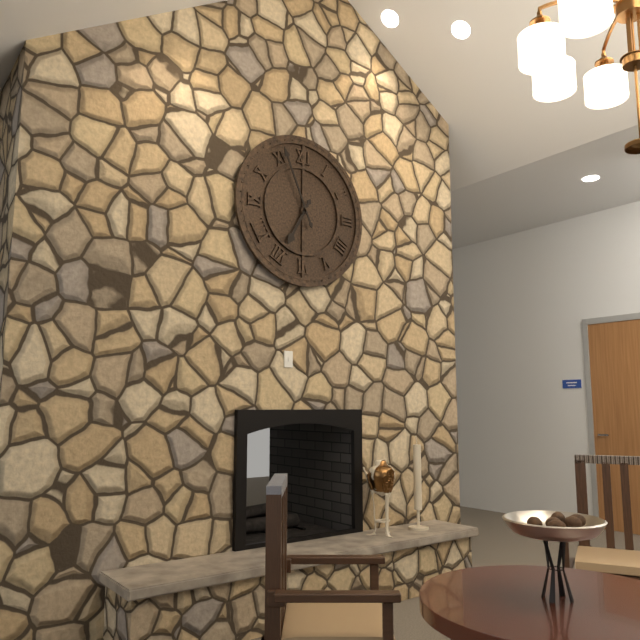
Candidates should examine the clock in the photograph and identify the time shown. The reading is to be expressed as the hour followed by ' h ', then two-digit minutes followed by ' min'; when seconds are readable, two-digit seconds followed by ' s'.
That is 6 h 56 min
